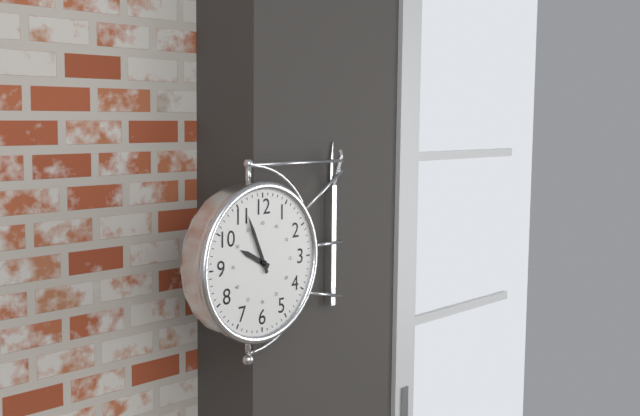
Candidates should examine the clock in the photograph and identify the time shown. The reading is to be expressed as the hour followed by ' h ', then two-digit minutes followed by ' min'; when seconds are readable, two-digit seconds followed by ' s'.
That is 9 h 56 min
